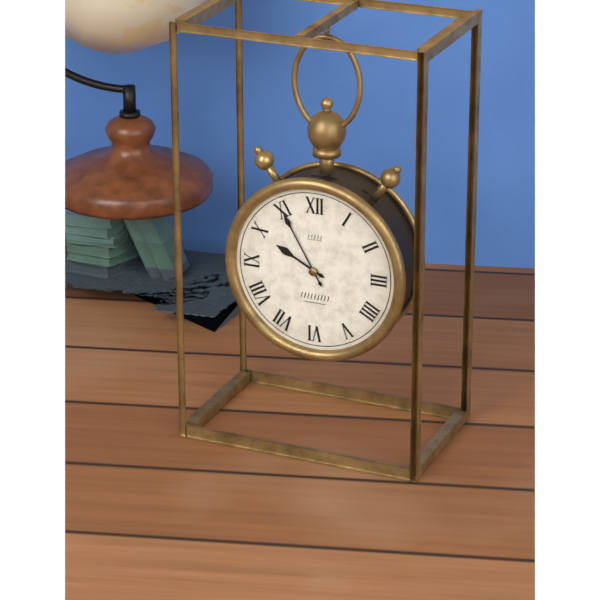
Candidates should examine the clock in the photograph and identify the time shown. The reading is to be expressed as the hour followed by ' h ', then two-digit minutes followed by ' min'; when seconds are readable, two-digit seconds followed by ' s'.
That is 9 h 55 min
